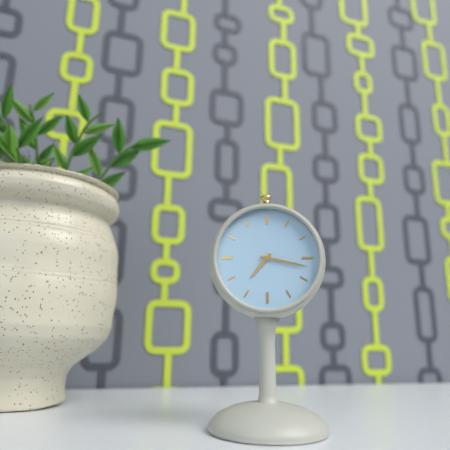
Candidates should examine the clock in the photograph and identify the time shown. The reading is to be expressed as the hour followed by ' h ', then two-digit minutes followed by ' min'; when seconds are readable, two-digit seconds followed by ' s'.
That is 7 h 17 min
